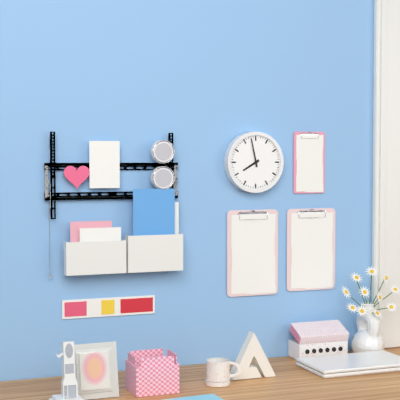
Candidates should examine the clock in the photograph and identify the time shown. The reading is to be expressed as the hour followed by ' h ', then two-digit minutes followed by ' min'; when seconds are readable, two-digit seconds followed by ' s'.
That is 7 h 58 min
